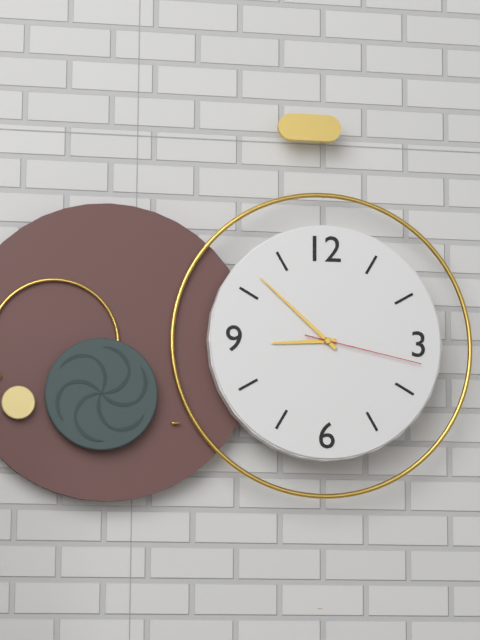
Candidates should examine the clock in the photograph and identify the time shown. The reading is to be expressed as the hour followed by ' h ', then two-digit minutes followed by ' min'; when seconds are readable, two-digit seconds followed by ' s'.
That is 8 h 52 min 17 s
